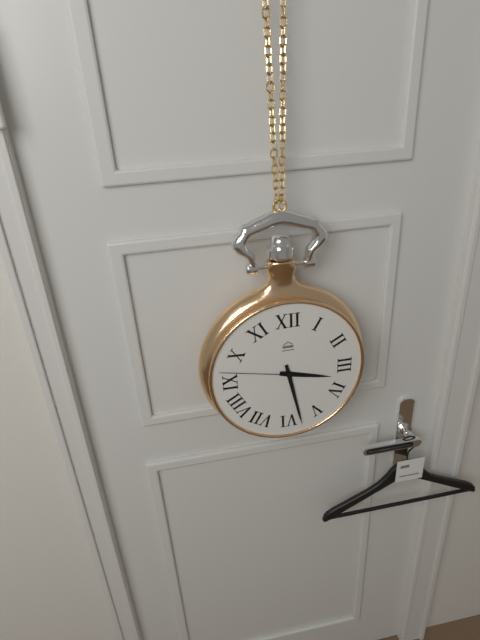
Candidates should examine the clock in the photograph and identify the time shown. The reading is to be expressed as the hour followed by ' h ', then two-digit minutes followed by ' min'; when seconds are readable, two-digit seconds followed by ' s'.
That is 3 h 28 min 47 s
